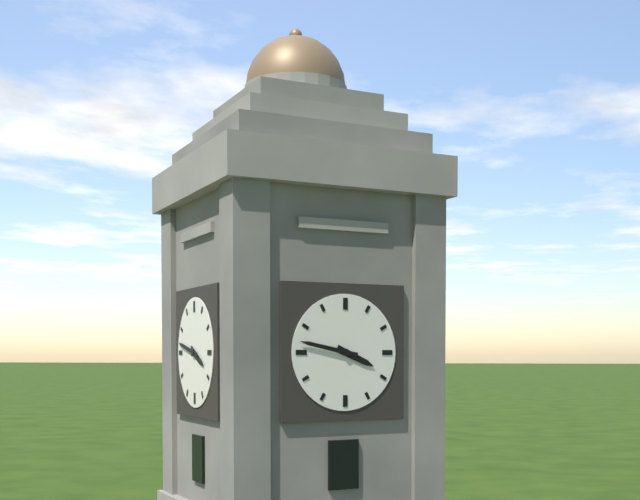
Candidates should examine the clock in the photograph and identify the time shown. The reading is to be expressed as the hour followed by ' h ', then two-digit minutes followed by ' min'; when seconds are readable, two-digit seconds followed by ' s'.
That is 3 h 47 min
